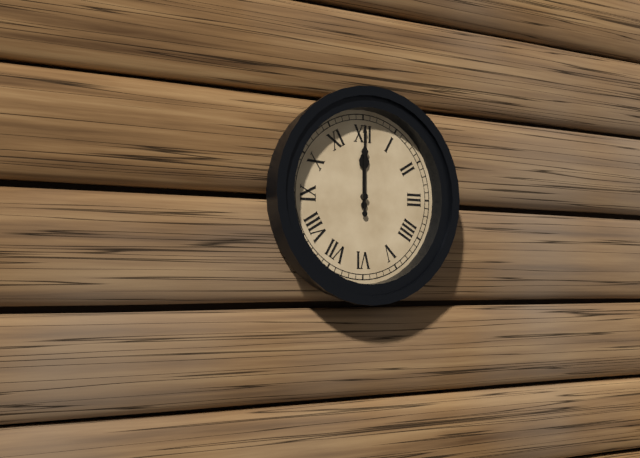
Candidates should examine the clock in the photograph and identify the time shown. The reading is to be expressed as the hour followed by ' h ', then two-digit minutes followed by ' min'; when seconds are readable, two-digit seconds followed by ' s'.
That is 12 h 00 min
